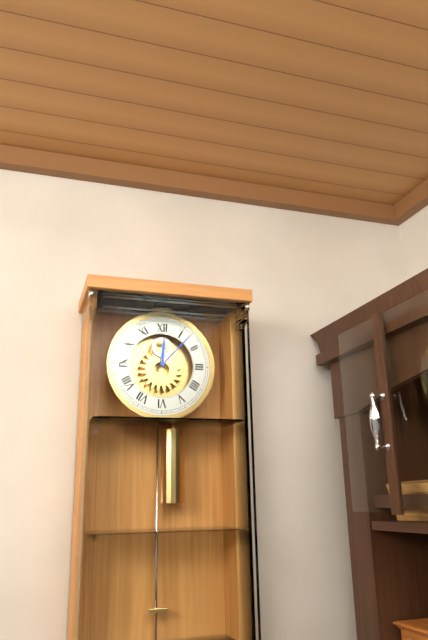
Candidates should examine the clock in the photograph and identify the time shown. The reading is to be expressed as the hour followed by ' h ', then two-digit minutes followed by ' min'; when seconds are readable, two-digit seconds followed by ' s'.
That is 12 h 07 min
